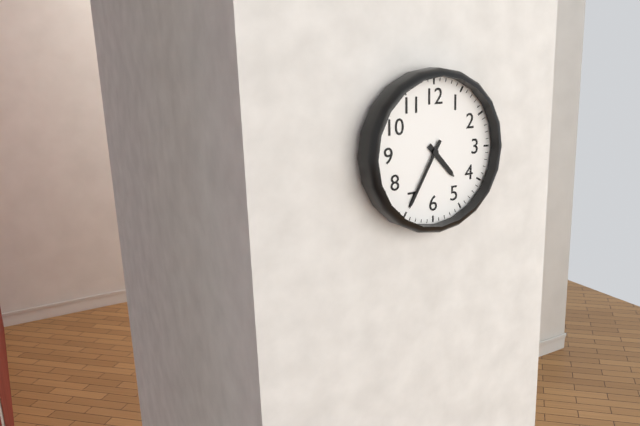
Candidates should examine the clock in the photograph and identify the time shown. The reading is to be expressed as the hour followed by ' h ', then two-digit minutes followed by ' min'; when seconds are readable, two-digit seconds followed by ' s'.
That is 4 h 35 min
